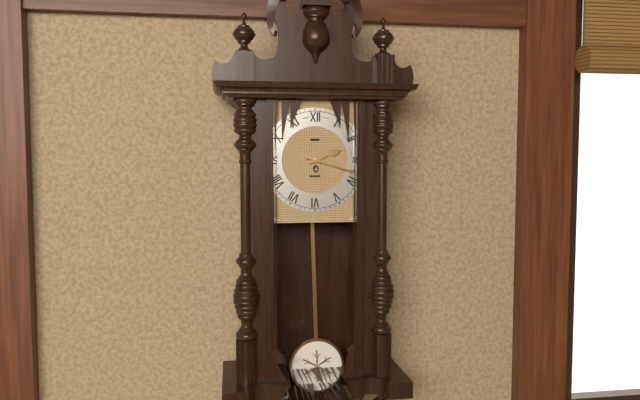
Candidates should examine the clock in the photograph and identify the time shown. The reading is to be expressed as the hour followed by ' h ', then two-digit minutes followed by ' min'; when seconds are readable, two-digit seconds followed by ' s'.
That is 2 h 18 min
